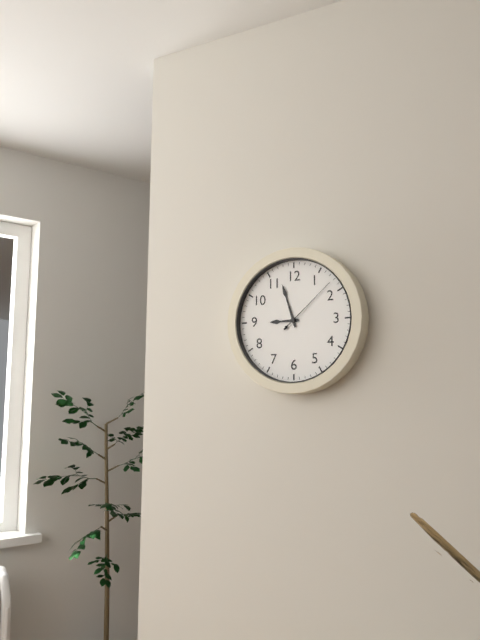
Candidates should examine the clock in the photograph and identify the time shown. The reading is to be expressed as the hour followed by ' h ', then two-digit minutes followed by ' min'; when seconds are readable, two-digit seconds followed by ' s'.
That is 8 h 57 min 08 s
